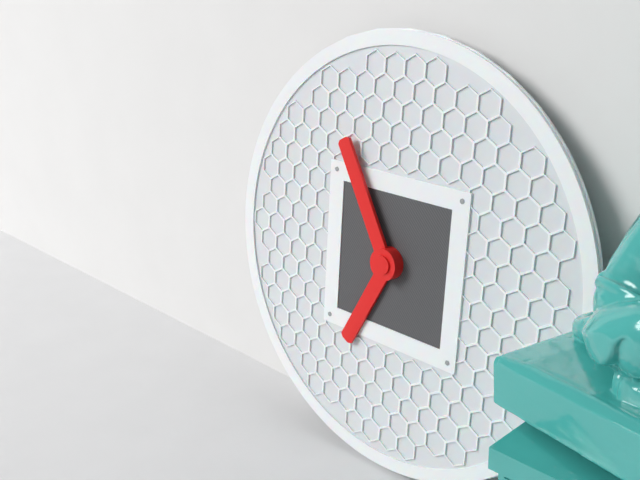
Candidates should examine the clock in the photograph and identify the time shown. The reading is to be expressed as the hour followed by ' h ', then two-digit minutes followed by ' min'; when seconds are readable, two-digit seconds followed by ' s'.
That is 6 h 55 min
